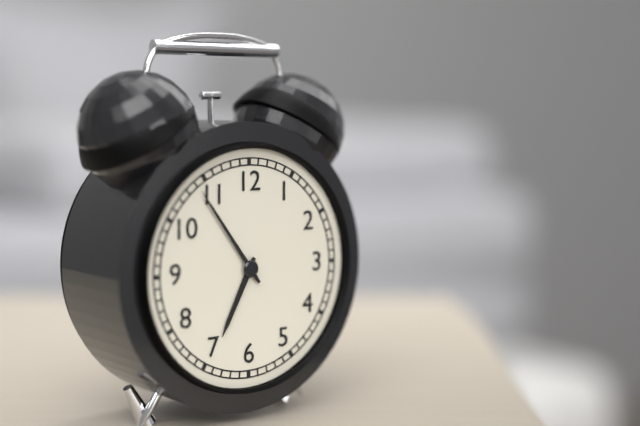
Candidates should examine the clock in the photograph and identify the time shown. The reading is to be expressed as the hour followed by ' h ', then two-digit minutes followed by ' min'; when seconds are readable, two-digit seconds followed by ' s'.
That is 6 h 54 min
